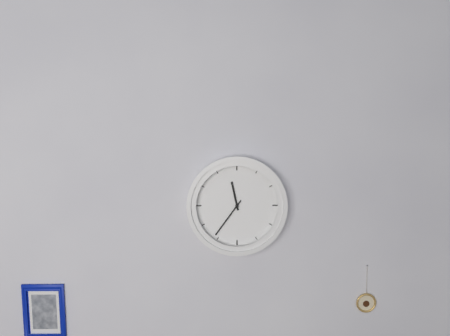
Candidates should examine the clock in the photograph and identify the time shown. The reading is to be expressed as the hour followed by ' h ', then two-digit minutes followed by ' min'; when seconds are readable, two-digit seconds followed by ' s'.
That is 11 h 36 min
